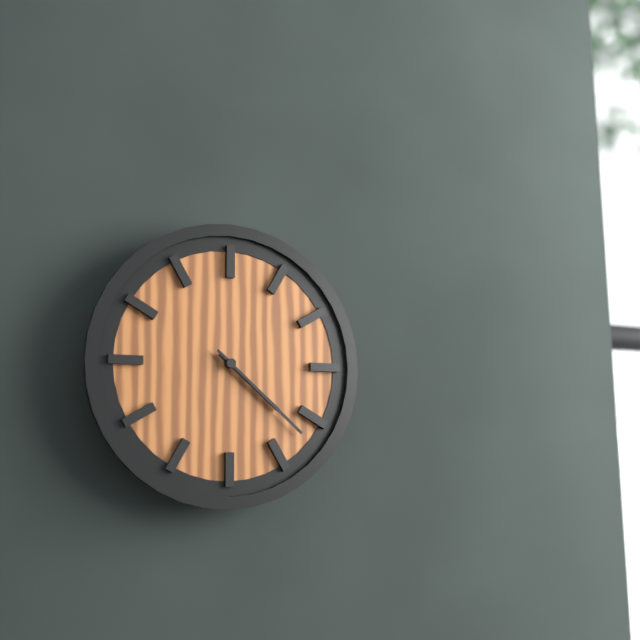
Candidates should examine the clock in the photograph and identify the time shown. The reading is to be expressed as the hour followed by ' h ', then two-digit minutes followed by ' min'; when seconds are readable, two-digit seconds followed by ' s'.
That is 4 h 22 min
